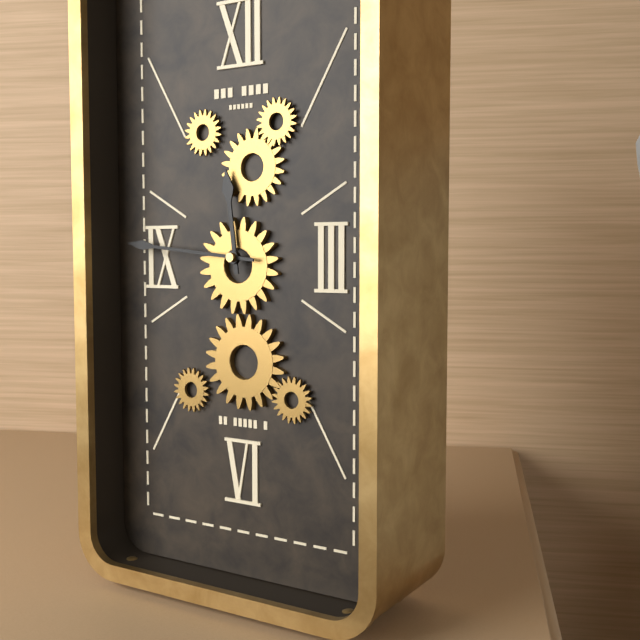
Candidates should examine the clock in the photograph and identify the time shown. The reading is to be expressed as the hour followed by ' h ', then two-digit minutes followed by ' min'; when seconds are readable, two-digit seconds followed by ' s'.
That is 11 h 46 min
